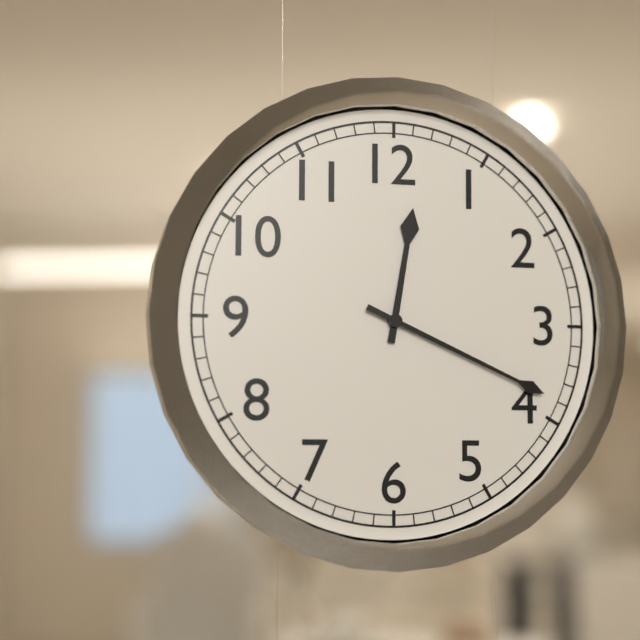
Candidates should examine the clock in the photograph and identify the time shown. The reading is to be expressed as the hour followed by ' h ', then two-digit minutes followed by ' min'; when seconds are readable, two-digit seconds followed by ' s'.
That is 12 h 19 min
